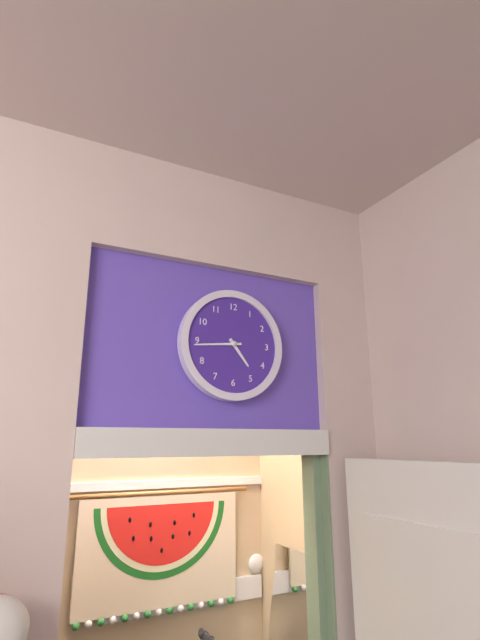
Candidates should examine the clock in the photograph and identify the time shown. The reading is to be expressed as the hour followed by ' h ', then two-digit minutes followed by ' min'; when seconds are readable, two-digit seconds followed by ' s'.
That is 4 h 44 min
